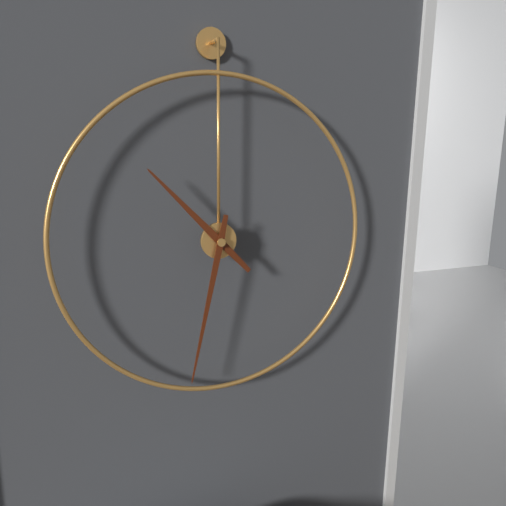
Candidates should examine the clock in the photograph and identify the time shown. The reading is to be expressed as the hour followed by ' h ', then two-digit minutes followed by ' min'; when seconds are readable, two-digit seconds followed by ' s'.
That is 10 h 32 min
